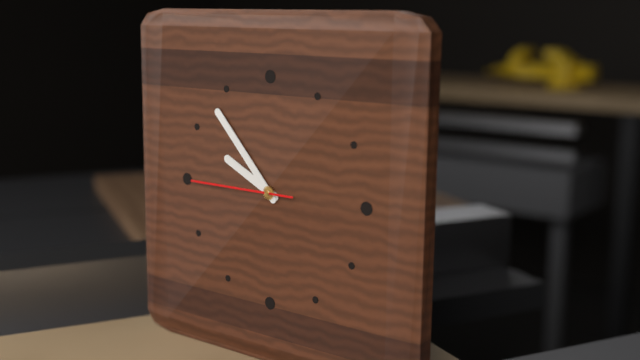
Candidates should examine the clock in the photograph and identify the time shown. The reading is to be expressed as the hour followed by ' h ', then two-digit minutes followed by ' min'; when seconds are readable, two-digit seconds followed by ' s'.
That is 9 h 53 min 45 s
